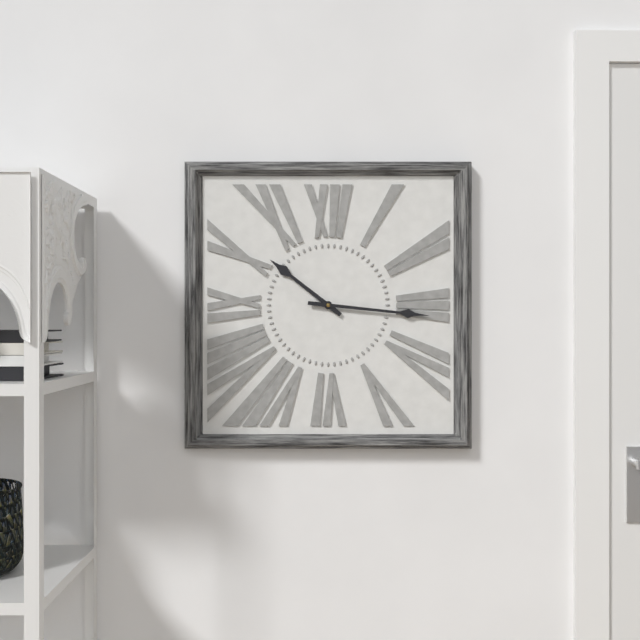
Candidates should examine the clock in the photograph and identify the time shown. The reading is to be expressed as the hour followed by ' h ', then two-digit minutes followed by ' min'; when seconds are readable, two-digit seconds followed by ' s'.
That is 10 h 16 min
